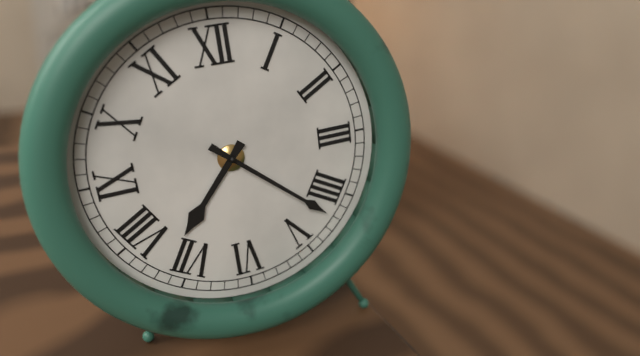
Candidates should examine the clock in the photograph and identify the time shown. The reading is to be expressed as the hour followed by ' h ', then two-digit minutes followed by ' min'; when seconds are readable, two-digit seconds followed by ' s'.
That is 7 h 22 min
